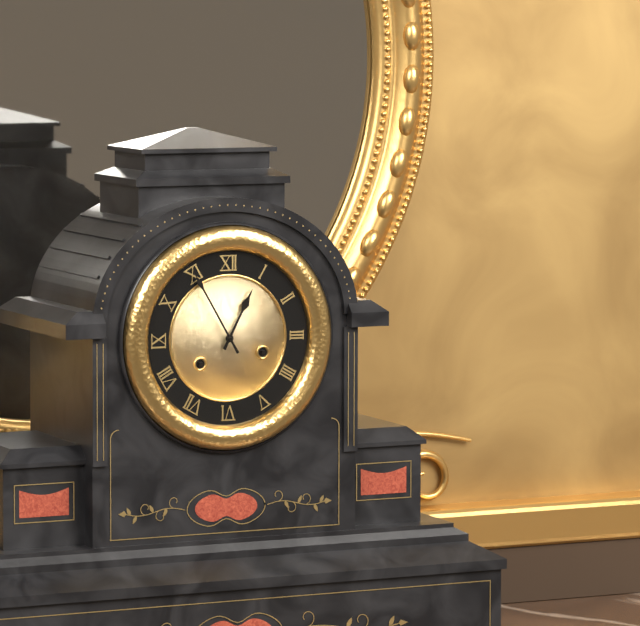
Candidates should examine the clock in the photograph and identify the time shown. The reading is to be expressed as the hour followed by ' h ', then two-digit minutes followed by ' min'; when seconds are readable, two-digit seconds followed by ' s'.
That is 12 h 55 min
